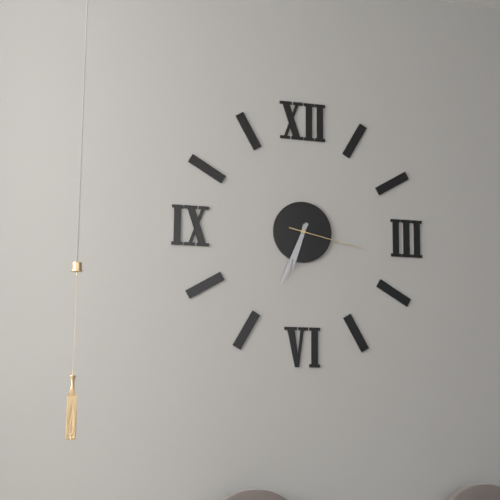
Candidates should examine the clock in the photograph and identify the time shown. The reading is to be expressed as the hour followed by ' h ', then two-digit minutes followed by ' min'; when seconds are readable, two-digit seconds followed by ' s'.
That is 6 h 34 min 17 s
